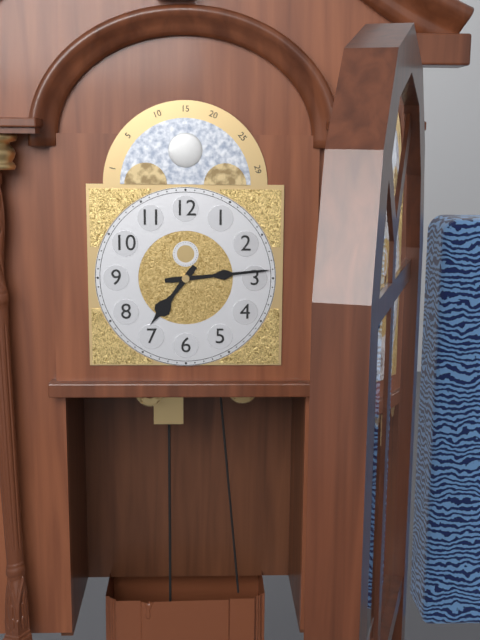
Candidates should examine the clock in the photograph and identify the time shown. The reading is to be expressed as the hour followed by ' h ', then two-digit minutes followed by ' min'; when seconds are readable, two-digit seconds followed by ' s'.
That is 7 h 14 min
